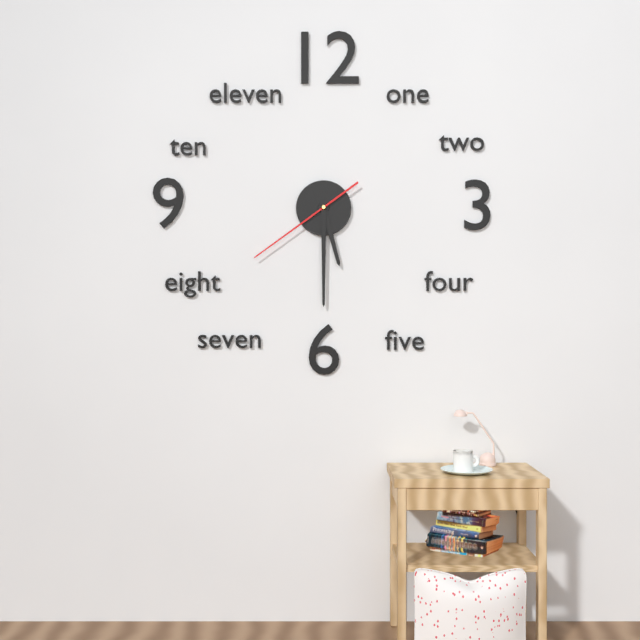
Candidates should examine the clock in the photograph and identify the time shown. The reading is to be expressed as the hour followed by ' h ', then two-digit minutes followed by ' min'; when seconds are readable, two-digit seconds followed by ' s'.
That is 5 h 30 min 39 s
